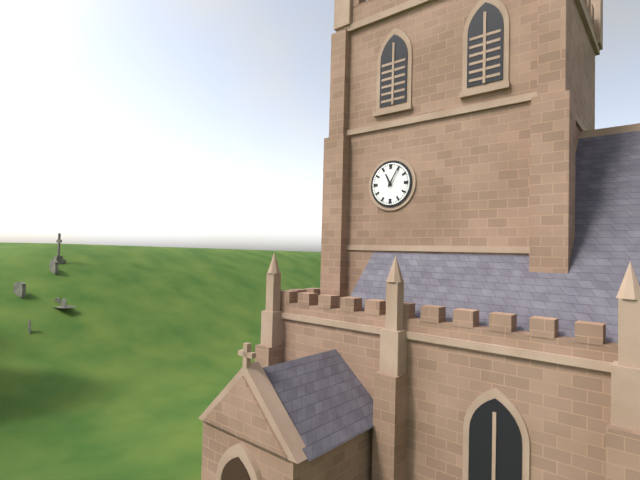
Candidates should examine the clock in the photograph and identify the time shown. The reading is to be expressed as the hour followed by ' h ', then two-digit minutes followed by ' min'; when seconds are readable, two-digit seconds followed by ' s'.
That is 11 h 05 min
